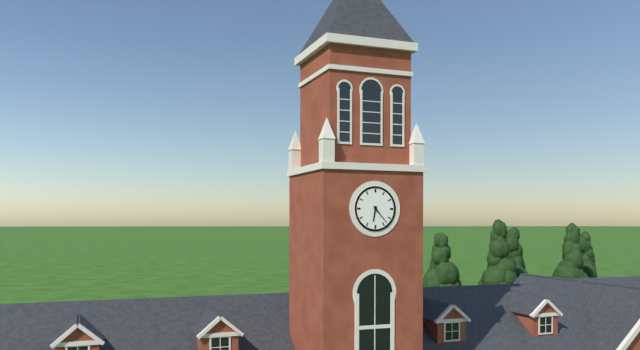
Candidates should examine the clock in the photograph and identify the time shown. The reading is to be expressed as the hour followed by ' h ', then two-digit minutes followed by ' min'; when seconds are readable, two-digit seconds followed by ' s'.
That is 6 h 23 min
